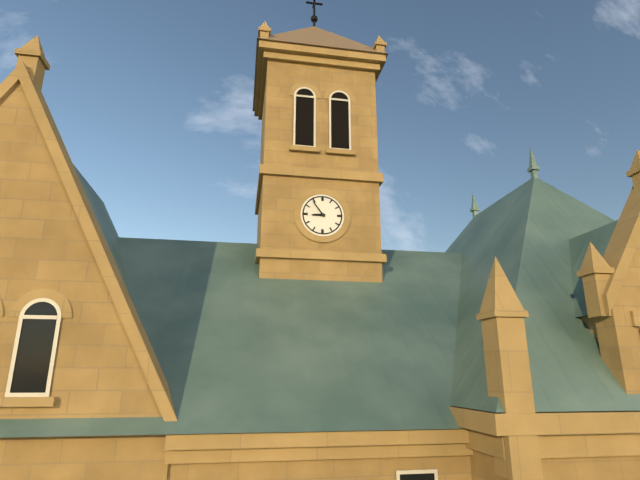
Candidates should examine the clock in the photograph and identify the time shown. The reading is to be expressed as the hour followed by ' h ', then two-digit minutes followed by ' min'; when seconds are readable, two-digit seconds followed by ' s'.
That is 8 h 54 min
